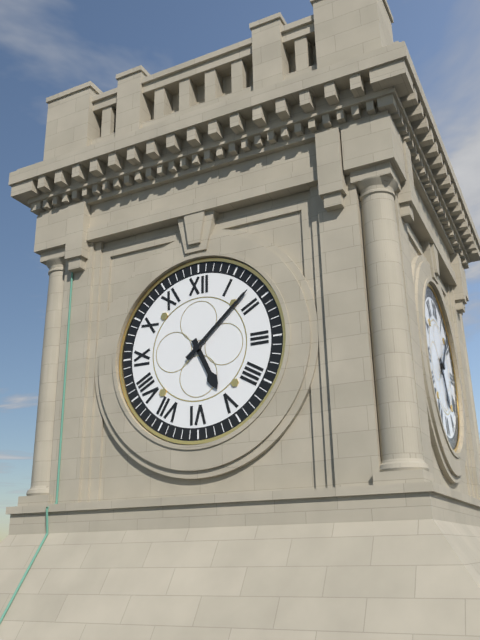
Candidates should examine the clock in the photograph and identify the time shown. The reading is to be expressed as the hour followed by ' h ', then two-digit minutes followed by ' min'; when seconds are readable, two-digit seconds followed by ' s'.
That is 5 h 08 min
